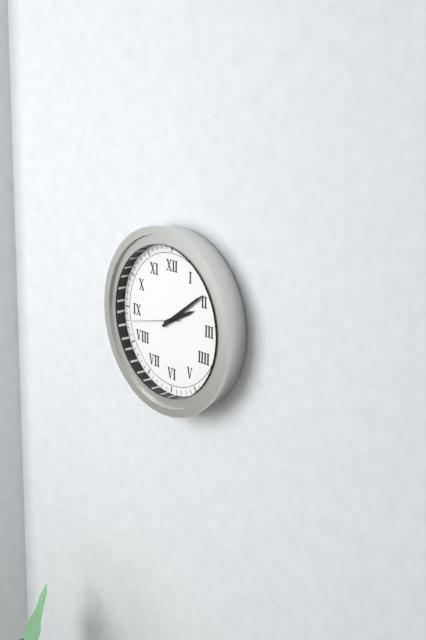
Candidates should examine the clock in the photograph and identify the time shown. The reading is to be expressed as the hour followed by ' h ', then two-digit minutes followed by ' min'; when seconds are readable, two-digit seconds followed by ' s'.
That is 2 h 09 min 43 s
